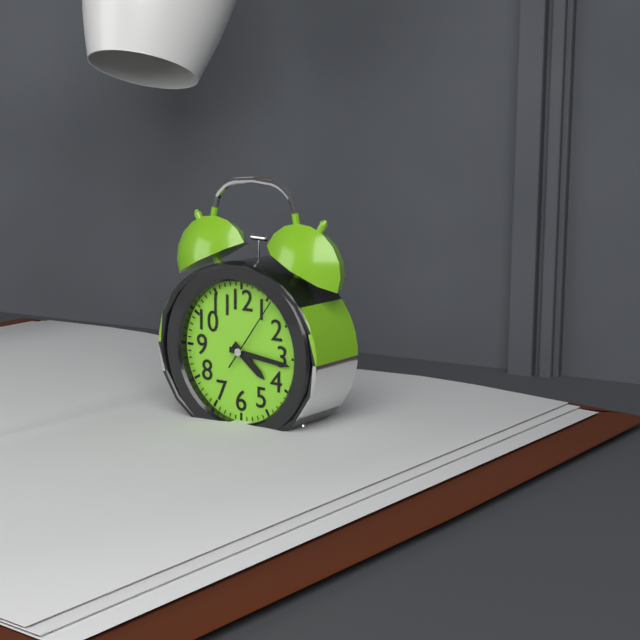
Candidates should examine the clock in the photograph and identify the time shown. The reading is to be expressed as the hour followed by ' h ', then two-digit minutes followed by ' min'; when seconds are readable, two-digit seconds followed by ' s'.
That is 4 h 16 min 06 s
